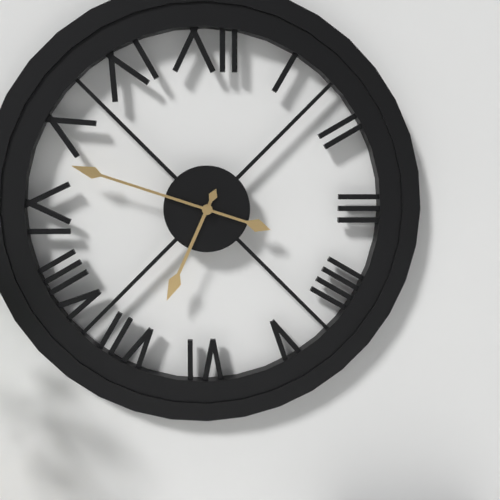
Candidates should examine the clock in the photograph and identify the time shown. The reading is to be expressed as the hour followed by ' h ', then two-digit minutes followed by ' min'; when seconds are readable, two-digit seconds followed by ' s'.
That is 6 h 48 min
